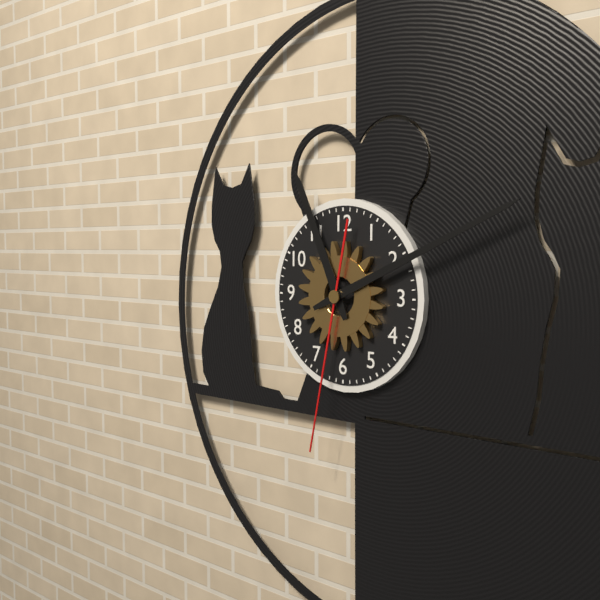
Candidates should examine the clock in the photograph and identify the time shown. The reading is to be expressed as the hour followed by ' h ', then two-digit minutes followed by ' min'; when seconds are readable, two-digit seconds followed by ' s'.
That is 11 h 11 min 32 s
